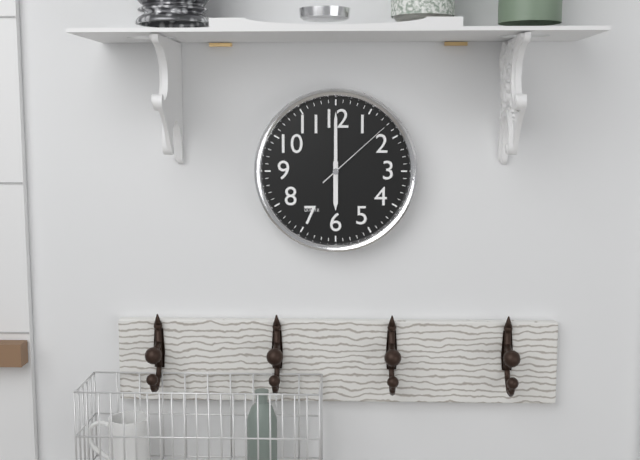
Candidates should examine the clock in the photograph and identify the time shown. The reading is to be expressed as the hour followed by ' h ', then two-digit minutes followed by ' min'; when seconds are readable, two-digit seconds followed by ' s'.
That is 6 h 00 min 08 s
